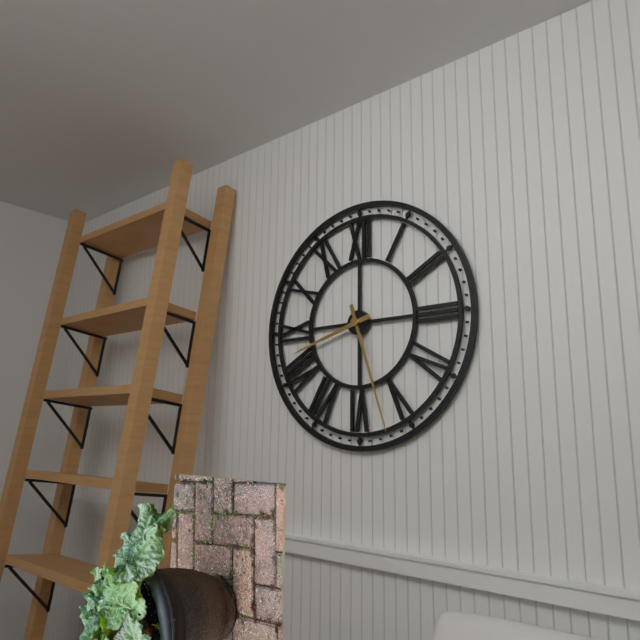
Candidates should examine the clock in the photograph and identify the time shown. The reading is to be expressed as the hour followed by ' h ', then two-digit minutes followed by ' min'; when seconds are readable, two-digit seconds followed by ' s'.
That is 8 h 27 min
